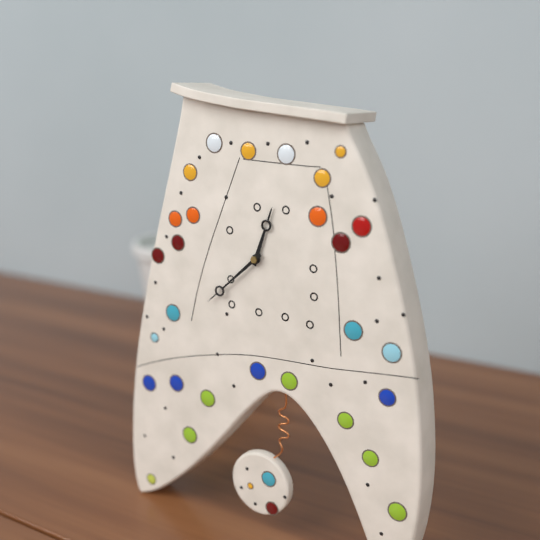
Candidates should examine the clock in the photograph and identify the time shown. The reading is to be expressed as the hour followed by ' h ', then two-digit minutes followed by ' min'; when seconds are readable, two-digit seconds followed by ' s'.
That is 12 h 38 min
